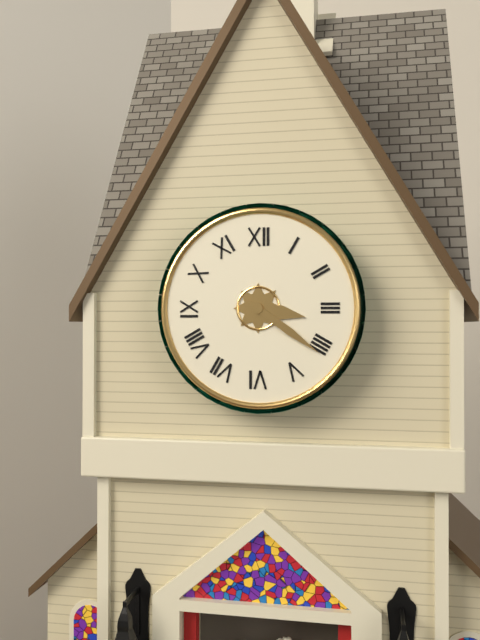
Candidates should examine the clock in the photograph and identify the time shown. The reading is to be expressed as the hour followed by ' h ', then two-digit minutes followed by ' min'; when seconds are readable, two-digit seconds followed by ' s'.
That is 3 h 21 min
